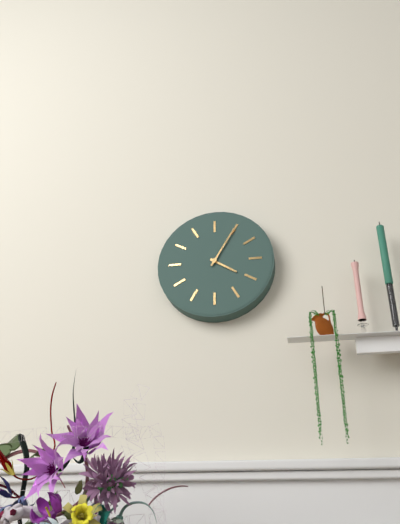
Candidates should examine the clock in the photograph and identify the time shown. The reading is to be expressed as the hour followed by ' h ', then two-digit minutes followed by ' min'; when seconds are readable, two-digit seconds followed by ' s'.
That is 4 h 05 min
